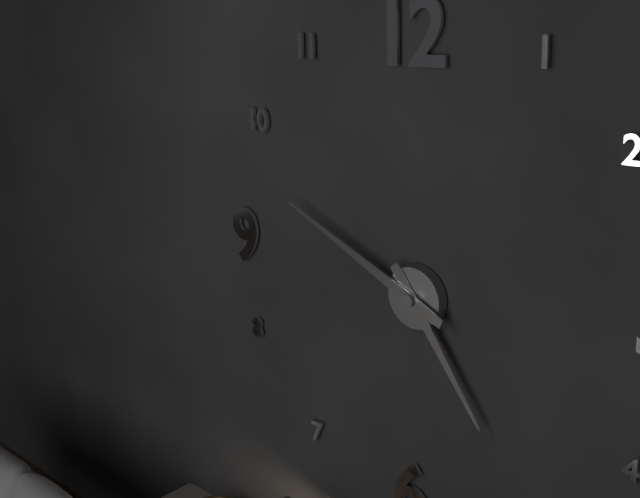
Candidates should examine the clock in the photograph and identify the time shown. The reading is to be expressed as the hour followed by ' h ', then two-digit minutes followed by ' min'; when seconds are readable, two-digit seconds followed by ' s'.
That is 4 h 49 min
